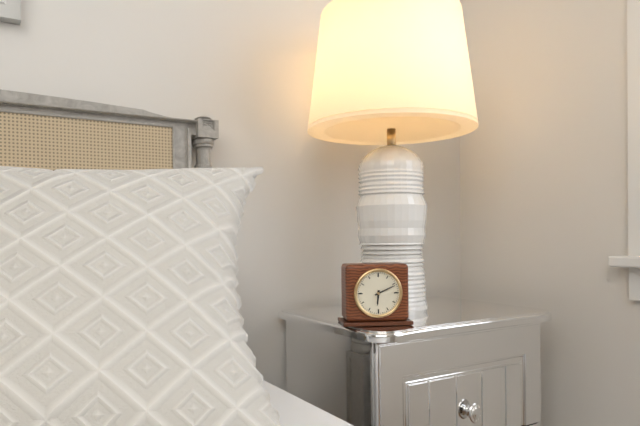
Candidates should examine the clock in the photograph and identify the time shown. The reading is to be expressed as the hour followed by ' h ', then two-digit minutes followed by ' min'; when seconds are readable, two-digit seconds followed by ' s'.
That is 6 h 11 min
